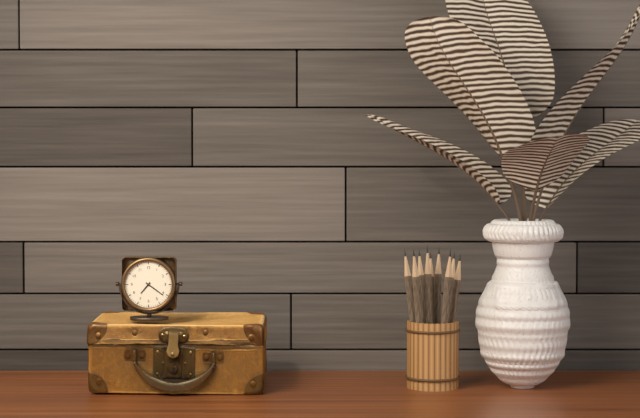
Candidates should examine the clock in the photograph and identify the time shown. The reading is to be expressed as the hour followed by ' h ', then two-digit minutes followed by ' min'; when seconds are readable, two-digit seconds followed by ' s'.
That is 7 h 21 min
